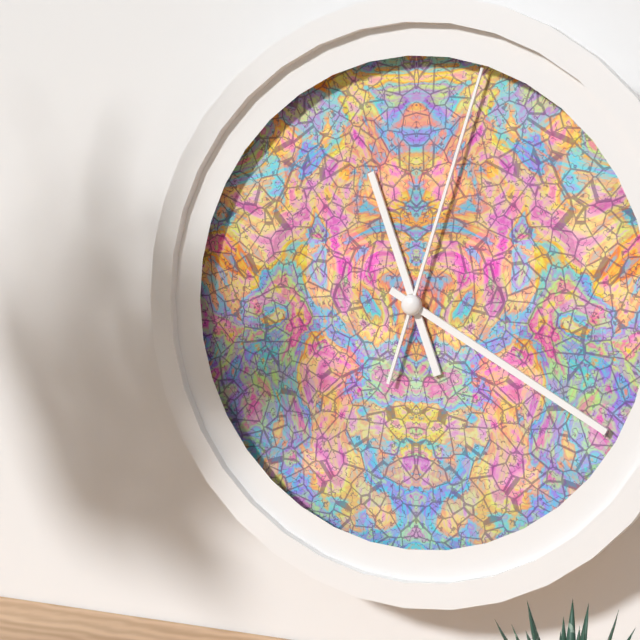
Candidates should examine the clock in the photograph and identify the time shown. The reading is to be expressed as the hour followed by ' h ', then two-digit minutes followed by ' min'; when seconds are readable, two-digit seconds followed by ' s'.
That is 11 h 20 min 03 s
